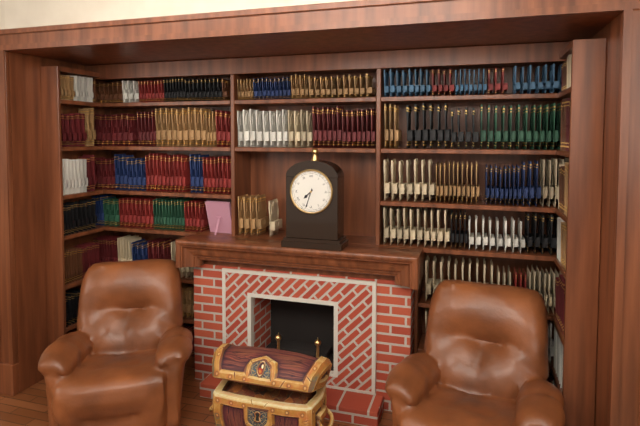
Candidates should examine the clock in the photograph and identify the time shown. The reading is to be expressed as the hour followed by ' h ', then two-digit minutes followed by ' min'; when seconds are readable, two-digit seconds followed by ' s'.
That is 7 h 33 min
